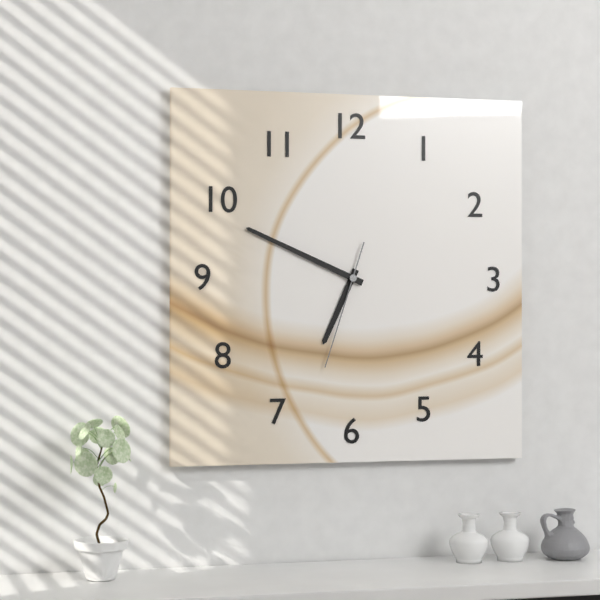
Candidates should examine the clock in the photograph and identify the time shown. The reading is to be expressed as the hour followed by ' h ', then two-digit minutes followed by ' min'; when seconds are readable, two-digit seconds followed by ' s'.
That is 6 h 49 min 33 s
